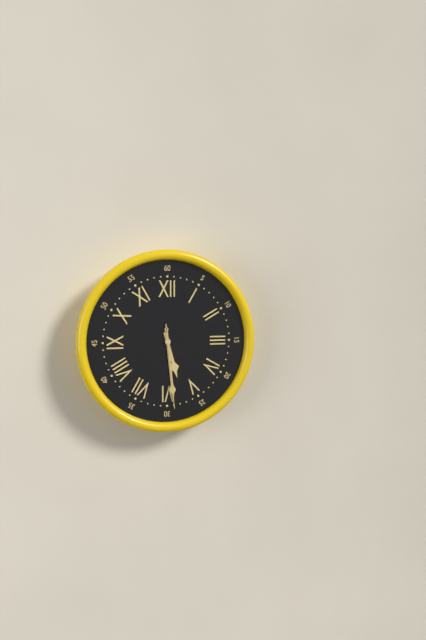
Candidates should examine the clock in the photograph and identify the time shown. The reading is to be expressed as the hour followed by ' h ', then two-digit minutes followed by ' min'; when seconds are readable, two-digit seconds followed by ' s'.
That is 5 h 29 min 29 s
